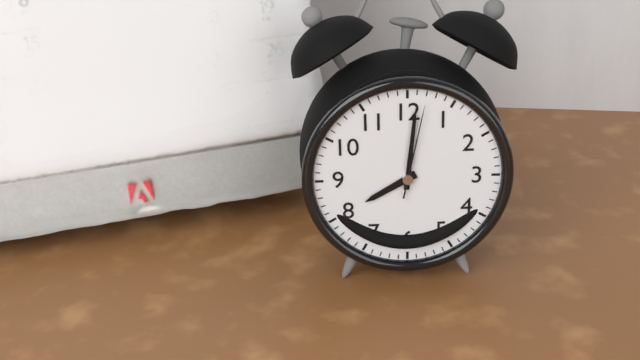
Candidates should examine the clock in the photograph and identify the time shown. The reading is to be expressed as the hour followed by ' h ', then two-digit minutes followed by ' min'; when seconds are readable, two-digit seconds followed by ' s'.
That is 8 h 01 min 02 s
